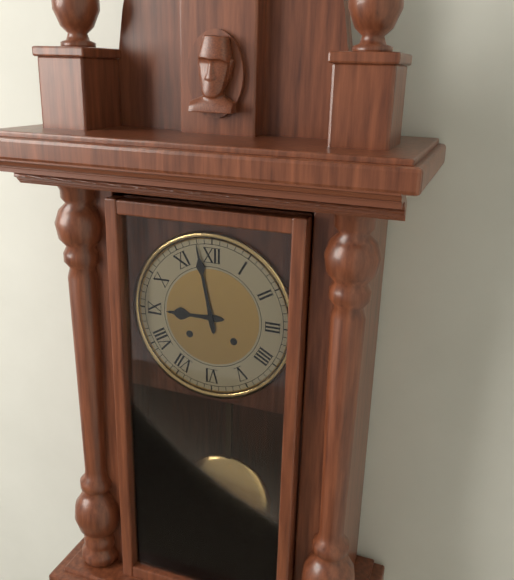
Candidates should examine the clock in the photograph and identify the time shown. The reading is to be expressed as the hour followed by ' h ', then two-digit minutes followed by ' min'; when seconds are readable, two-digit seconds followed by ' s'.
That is 8 h 58 min
